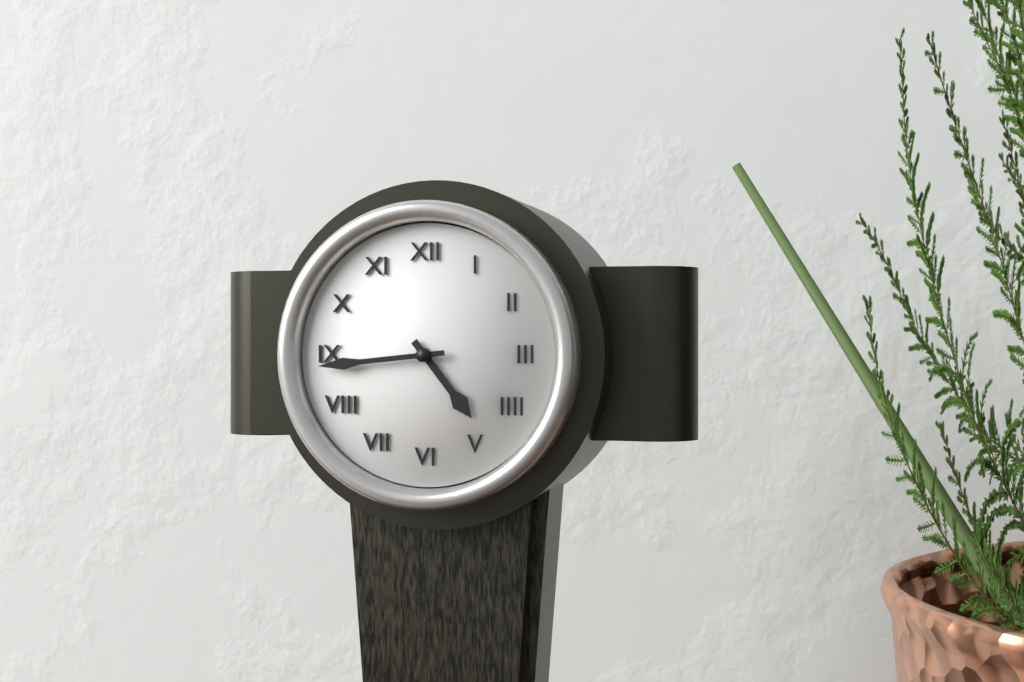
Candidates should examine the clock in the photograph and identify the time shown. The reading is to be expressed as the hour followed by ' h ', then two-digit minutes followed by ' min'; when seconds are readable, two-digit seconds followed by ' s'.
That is 4 h 44 min
